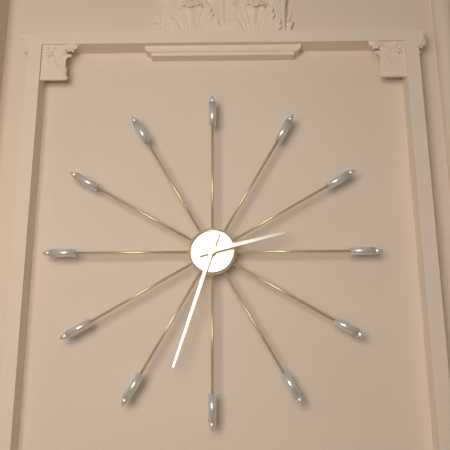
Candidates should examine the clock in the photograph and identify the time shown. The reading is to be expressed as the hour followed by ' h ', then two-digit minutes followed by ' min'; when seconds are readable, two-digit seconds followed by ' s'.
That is 2 h 33 min
